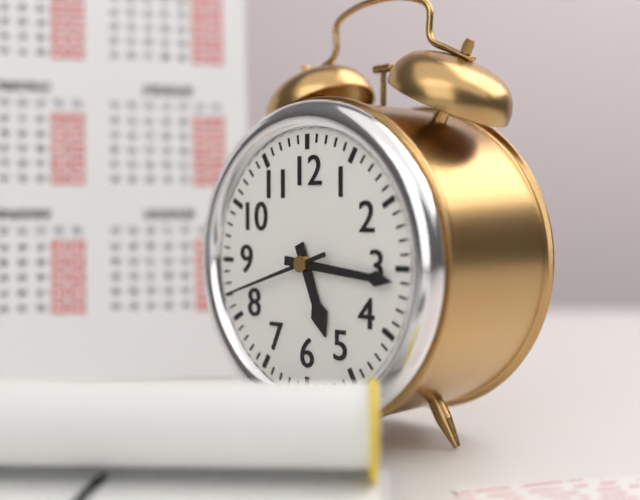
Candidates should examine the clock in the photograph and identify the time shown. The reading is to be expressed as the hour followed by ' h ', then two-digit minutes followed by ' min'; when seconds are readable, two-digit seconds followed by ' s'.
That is 5 h 16 min 42 s
